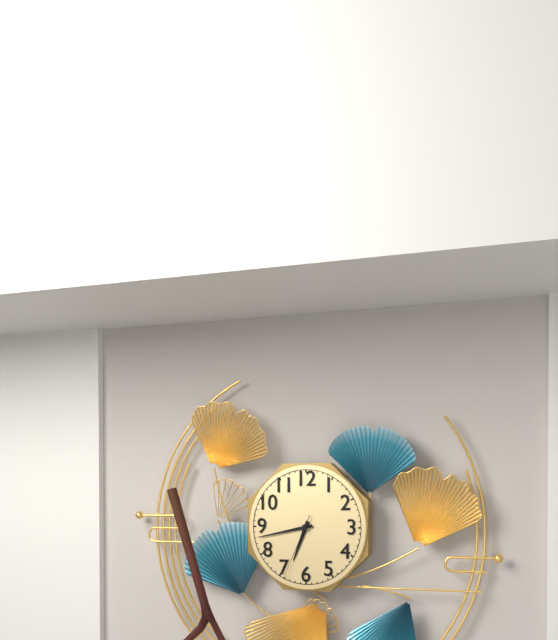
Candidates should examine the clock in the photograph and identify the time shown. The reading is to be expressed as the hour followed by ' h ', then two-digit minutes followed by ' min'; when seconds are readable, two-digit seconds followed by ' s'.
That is 6 h 43 min 34 s
